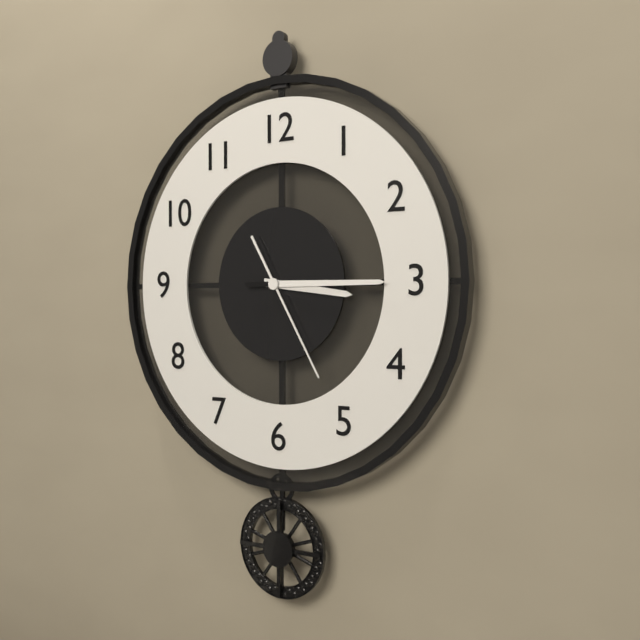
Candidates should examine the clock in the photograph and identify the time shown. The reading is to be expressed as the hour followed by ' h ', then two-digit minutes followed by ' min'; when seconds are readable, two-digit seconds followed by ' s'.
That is 3 h 15 min 25 s
